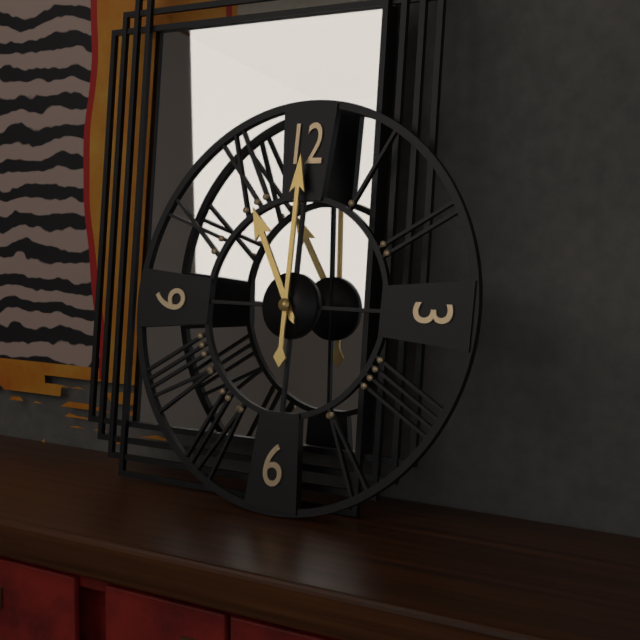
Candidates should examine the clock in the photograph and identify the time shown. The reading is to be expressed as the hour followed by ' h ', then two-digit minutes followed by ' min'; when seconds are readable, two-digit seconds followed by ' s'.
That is 11 h 00 min
